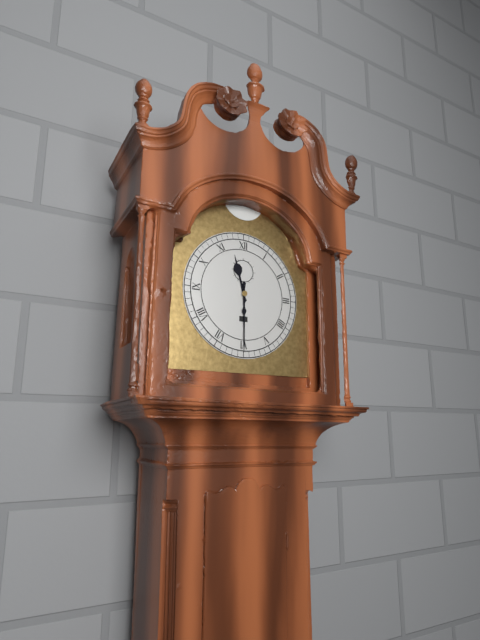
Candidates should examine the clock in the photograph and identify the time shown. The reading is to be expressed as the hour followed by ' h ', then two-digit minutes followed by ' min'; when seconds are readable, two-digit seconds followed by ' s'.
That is 11 h 30 min
